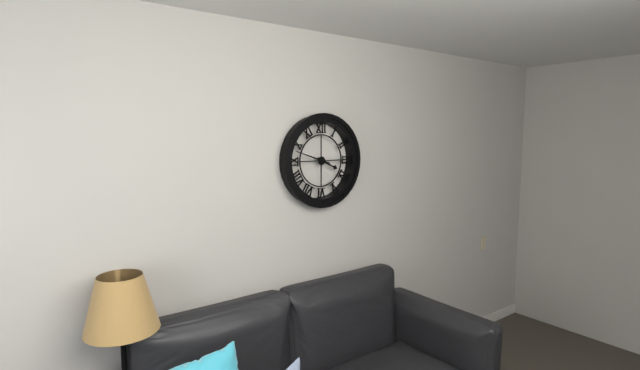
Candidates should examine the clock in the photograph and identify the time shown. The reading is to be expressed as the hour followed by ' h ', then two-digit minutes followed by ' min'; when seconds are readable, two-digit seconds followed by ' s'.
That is 3 h 48 min
